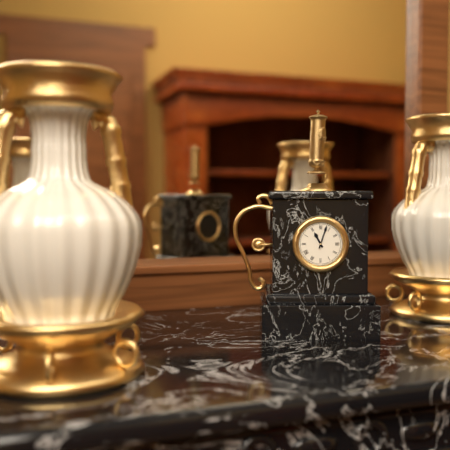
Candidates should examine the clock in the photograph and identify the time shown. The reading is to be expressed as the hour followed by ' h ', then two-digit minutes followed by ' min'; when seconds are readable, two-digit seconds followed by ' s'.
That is 11 h 03 min
